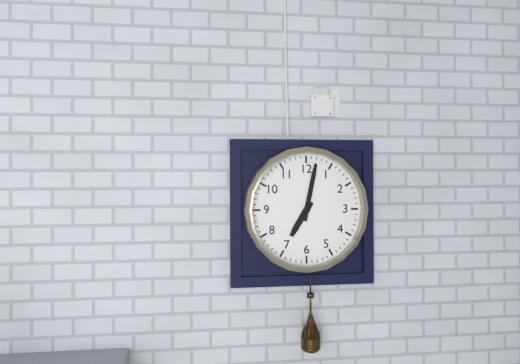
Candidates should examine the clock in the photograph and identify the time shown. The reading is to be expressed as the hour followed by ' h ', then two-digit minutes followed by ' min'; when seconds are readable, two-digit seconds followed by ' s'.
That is 7 h 02 min
